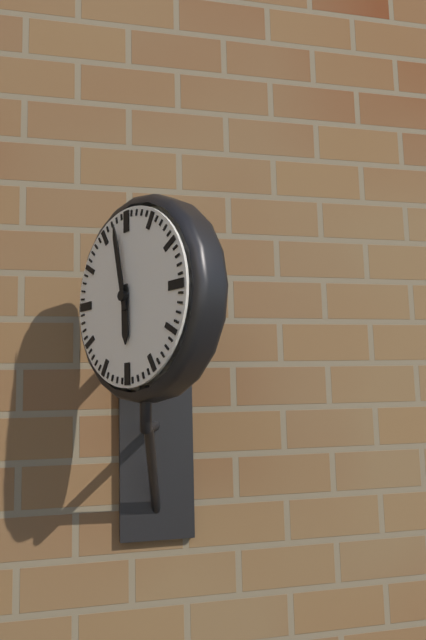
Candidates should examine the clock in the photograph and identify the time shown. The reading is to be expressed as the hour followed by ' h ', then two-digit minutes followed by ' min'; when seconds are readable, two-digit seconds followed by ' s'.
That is 5 h 58 min
